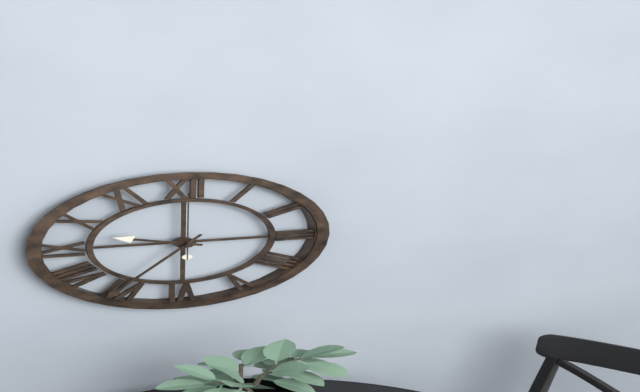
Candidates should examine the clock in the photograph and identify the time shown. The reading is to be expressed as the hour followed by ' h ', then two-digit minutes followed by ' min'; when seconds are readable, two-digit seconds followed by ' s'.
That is 9 h 36 min 00 s
